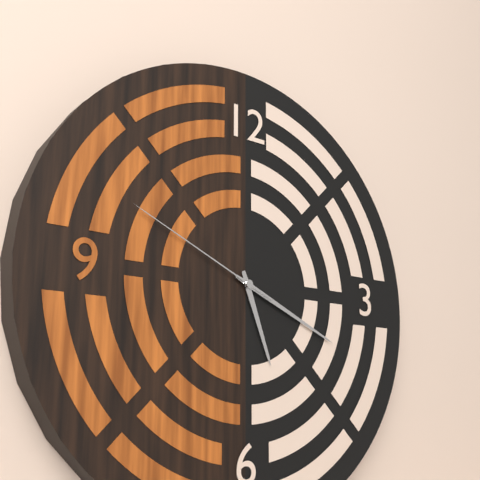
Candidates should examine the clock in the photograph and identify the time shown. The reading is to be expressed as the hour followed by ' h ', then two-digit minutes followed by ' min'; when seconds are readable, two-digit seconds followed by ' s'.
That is 5 h 19 min 49 s
